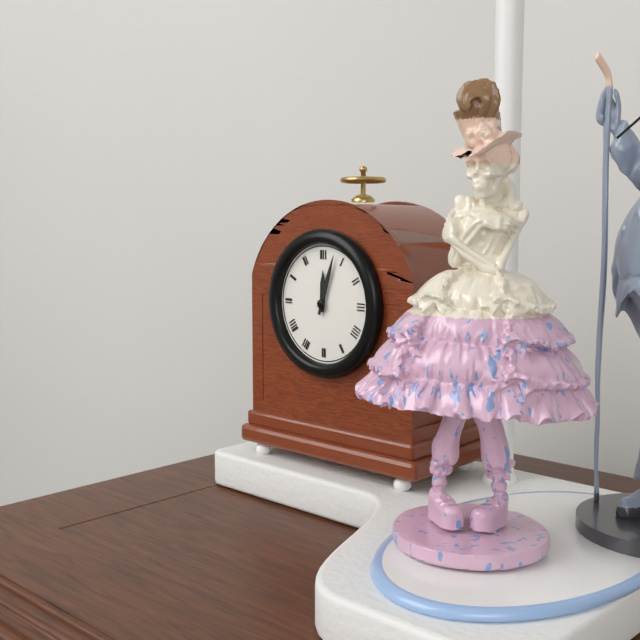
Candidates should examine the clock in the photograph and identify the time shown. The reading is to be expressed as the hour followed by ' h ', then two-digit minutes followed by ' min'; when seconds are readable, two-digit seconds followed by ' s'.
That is 12 h 03 min
